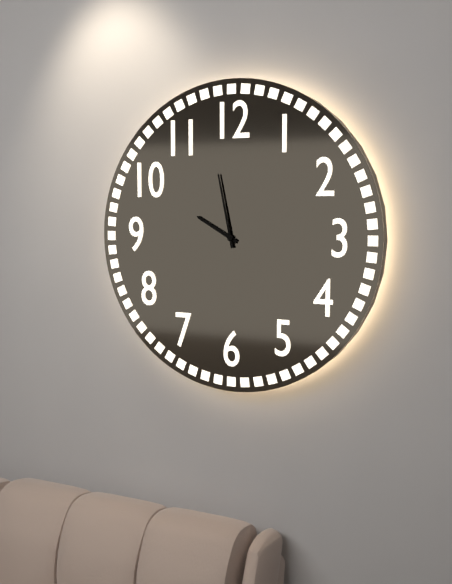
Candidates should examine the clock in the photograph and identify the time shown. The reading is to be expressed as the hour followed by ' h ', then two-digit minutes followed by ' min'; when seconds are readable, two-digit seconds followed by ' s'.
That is 9 h 58 min
